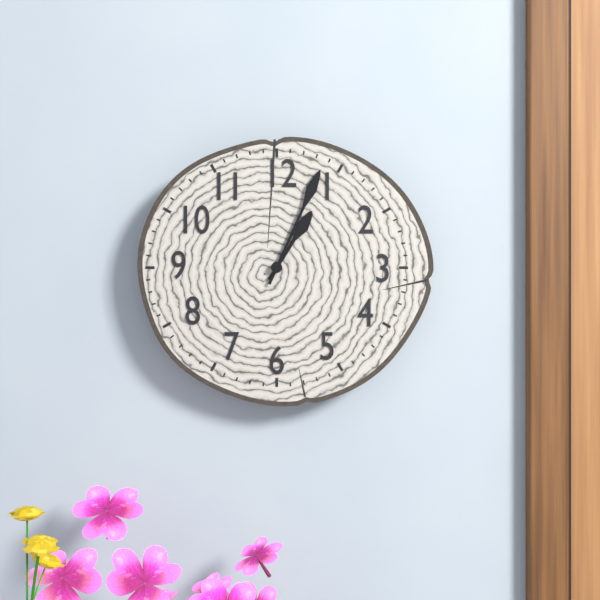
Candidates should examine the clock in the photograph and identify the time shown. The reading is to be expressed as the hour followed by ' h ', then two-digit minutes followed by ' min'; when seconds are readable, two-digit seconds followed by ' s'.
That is 1 h 04 min
